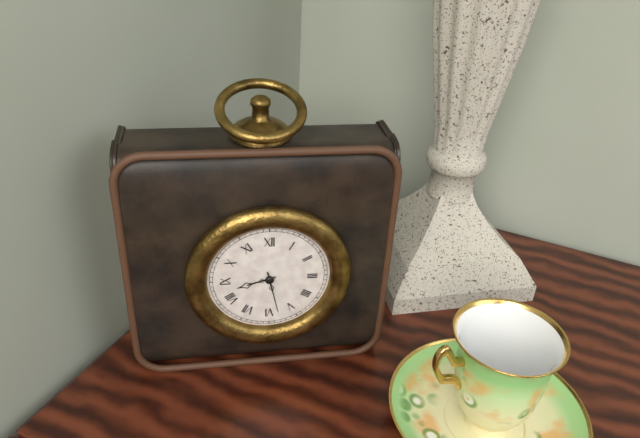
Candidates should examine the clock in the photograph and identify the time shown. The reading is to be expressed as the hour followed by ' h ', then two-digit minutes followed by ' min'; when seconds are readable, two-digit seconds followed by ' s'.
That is 8 h 28 min
